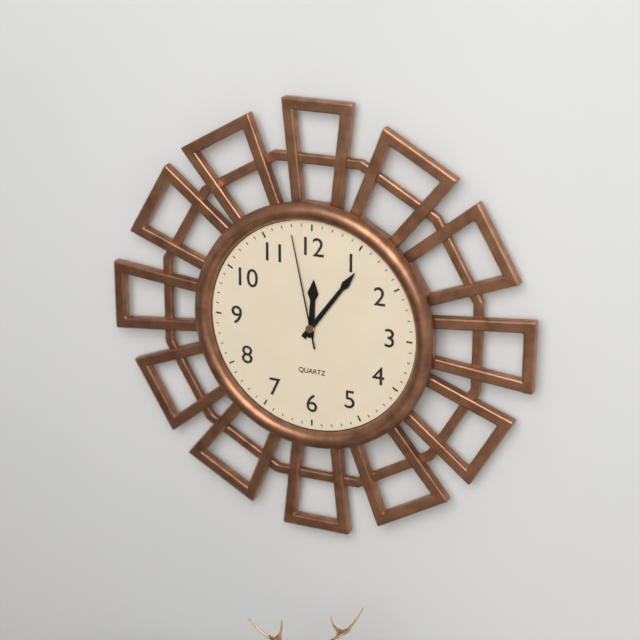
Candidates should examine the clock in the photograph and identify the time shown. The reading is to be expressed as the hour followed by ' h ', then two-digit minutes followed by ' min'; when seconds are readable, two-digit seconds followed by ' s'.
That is 12 h 06 min 58 s
